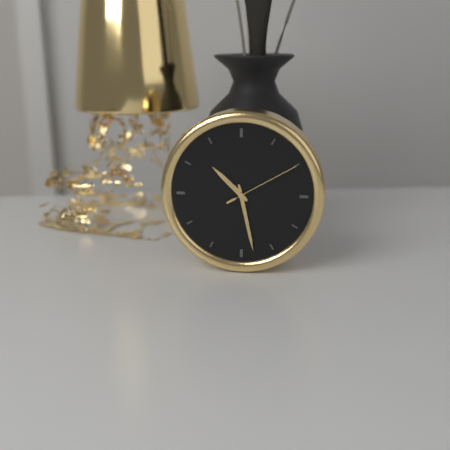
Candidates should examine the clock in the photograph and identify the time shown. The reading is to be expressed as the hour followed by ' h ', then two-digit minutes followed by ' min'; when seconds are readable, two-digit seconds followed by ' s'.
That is 10 h 28 min 10 s
